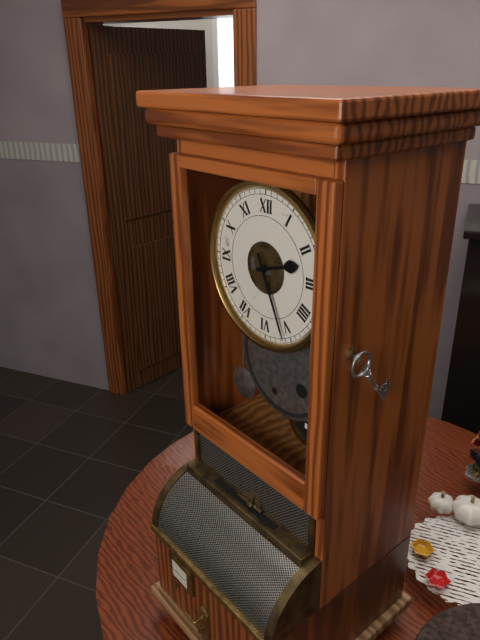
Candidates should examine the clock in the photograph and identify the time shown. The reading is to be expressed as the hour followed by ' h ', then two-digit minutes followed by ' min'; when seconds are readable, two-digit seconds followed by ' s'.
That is 2 h 26 min
